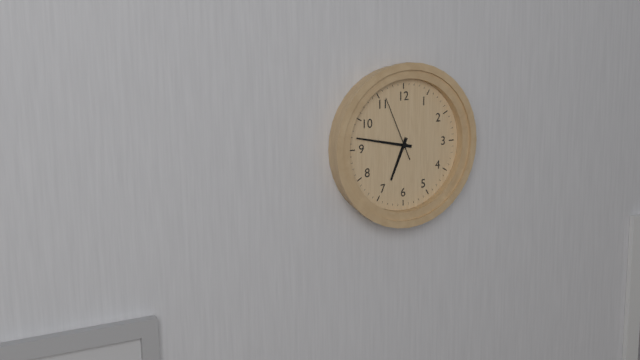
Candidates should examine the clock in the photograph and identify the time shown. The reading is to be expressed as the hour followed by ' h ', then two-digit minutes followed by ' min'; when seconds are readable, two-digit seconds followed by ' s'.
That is 6 h 47 min 56 s
